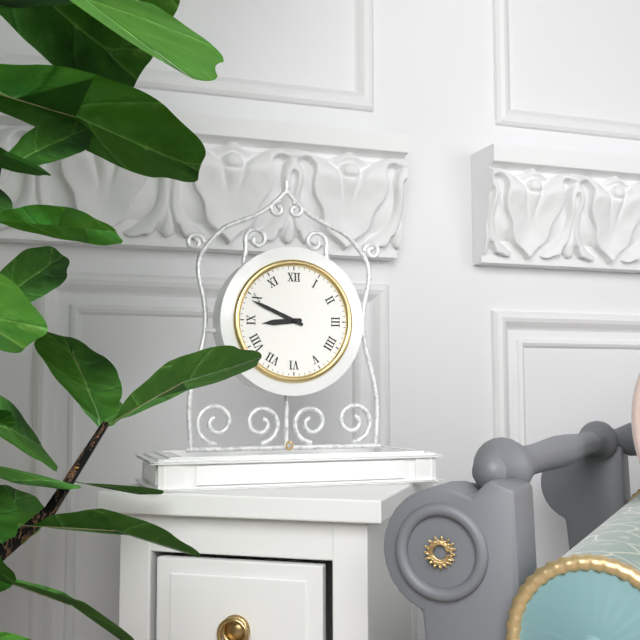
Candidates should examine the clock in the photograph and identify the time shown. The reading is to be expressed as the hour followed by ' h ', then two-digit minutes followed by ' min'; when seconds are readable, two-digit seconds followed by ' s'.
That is 8 h 49 min
